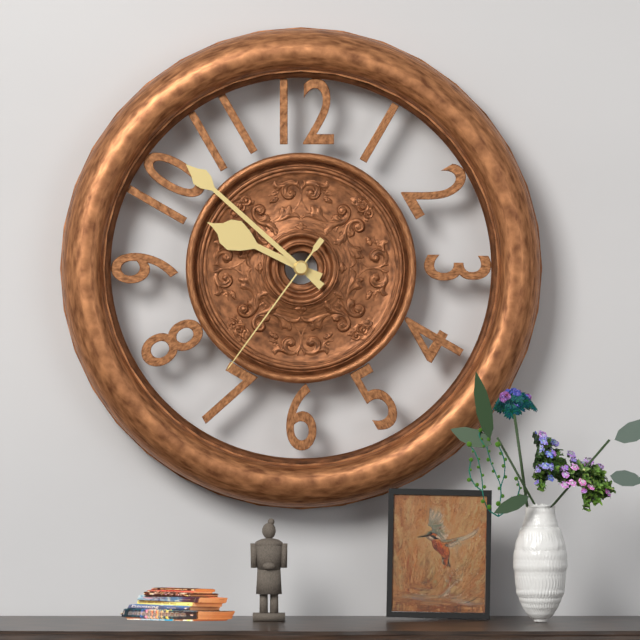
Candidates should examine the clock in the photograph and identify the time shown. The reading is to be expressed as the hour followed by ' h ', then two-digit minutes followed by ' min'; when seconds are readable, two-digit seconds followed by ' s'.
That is 9 h 52 min 36 s
